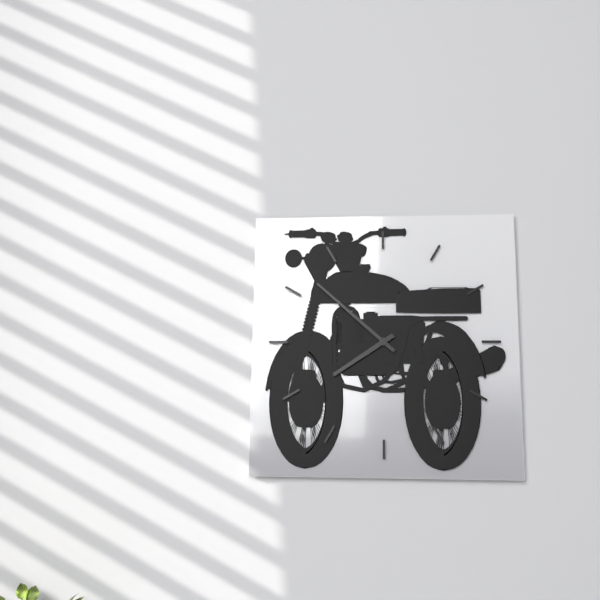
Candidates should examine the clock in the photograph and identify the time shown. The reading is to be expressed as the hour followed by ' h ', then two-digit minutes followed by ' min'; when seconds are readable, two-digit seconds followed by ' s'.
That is 7 h 52 min
